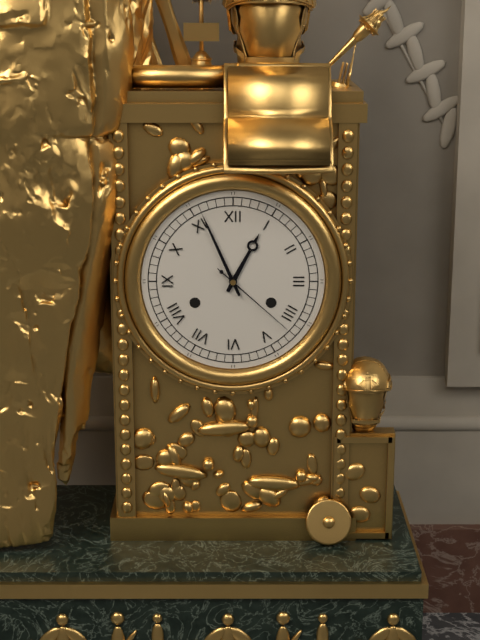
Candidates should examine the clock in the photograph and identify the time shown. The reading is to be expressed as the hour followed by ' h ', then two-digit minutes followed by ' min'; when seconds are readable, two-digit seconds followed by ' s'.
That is 12 h 56 min 22 s
